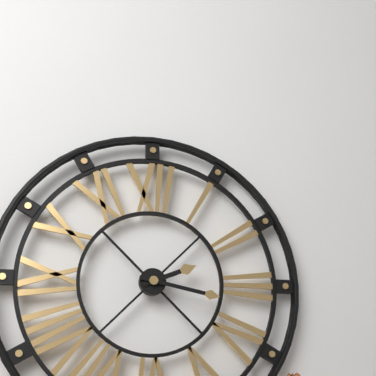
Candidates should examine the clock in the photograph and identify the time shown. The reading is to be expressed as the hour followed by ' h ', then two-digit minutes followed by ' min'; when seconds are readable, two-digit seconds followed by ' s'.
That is 2 h 17 min
